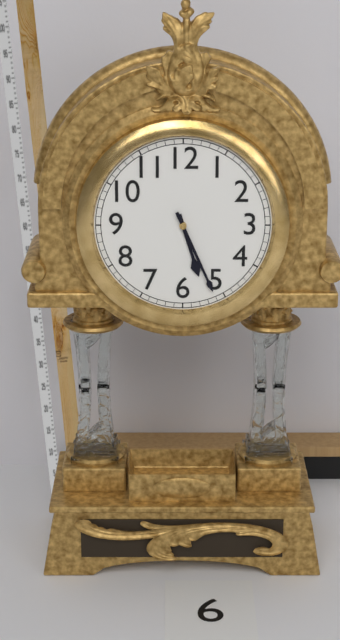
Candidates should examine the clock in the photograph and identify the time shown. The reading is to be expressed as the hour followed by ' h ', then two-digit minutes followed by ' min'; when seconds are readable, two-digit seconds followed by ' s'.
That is 5 h 26 min
